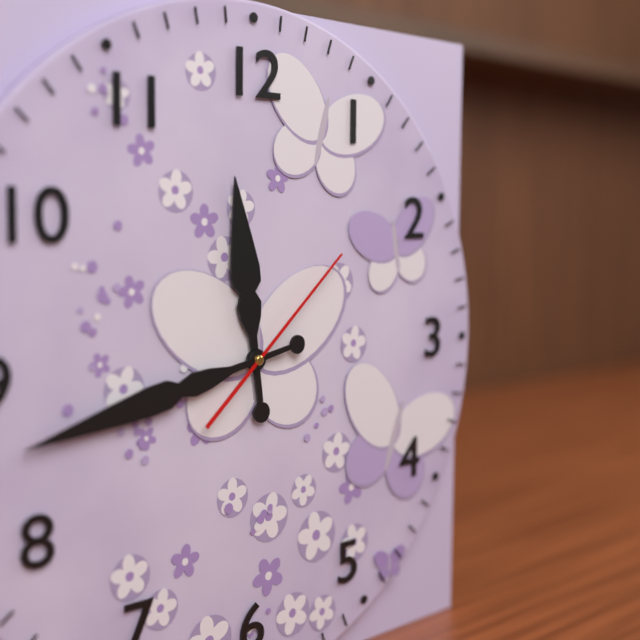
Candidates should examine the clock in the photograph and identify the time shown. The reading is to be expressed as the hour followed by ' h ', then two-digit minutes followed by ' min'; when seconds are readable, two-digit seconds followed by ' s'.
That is 11 h 43 min 08 s
